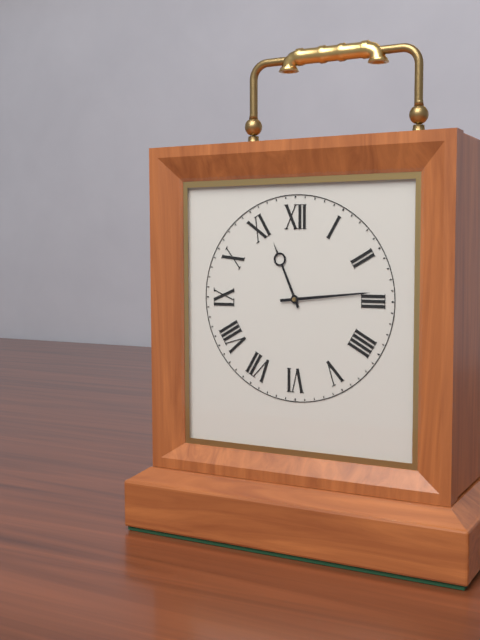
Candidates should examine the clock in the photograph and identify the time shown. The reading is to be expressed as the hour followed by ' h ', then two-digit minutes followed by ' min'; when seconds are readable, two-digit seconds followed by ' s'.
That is 11 h 14 min
